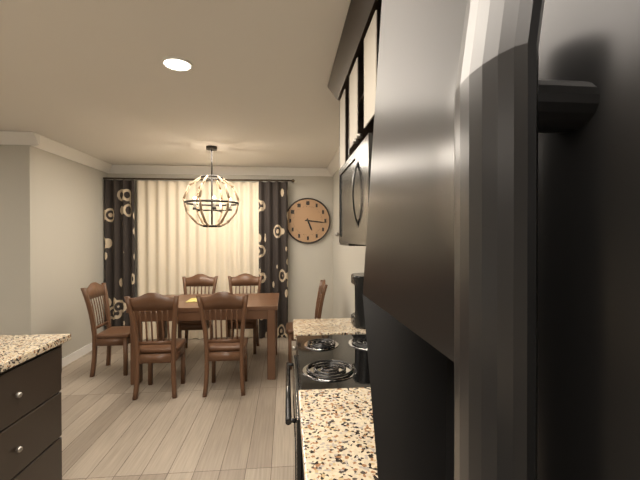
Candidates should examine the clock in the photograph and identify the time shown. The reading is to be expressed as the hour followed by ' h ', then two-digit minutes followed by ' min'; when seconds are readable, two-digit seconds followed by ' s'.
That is 5 h 16 min
